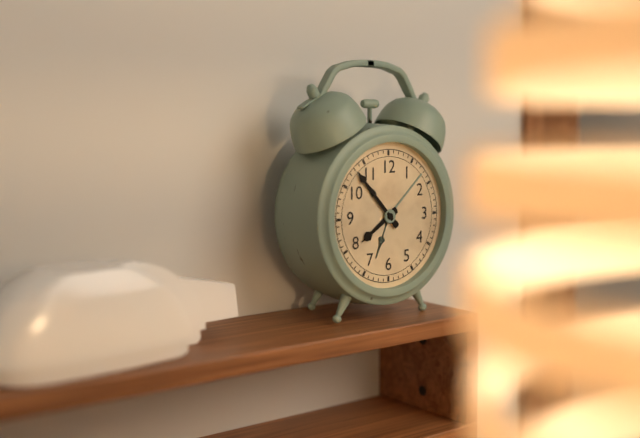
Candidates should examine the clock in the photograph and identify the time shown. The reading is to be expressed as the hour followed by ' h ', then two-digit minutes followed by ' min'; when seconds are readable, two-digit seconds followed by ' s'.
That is 7 h 53 min
